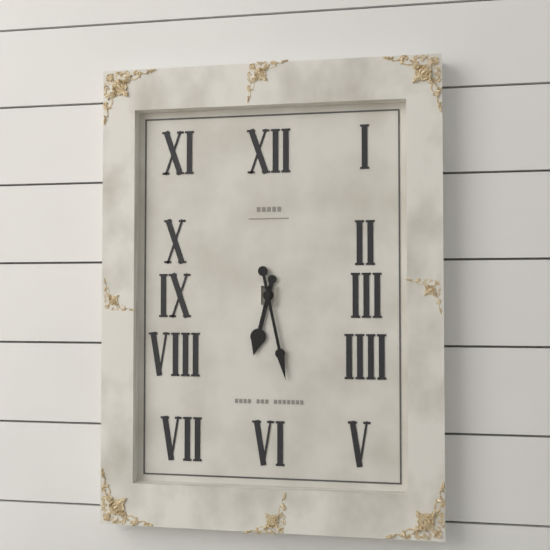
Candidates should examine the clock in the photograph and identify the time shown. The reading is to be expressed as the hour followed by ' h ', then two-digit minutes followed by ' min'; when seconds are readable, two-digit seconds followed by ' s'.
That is 6 h 28 min
